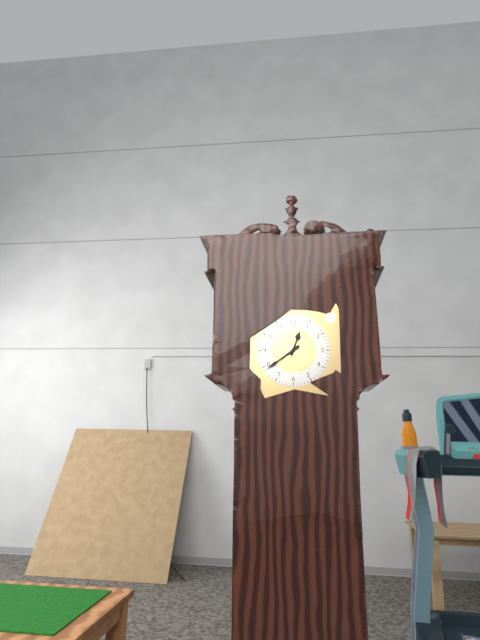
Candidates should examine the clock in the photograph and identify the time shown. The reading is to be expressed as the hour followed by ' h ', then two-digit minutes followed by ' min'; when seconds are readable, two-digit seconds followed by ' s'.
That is 12 h 39 min
